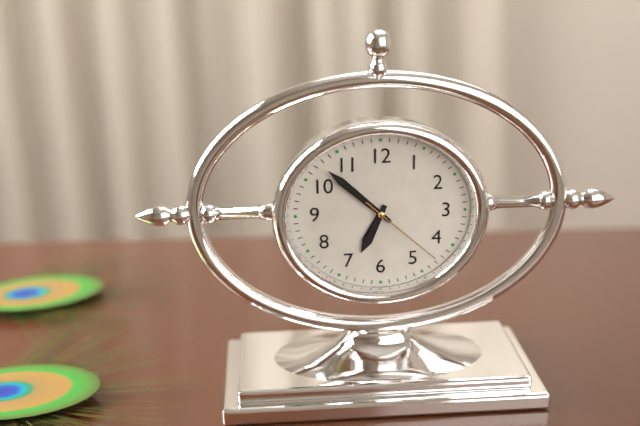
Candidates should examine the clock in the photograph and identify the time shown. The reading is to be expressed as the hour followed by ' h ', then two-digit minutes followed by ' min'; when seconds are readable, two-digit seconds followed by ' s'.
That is 6 h 52 min 22 s
